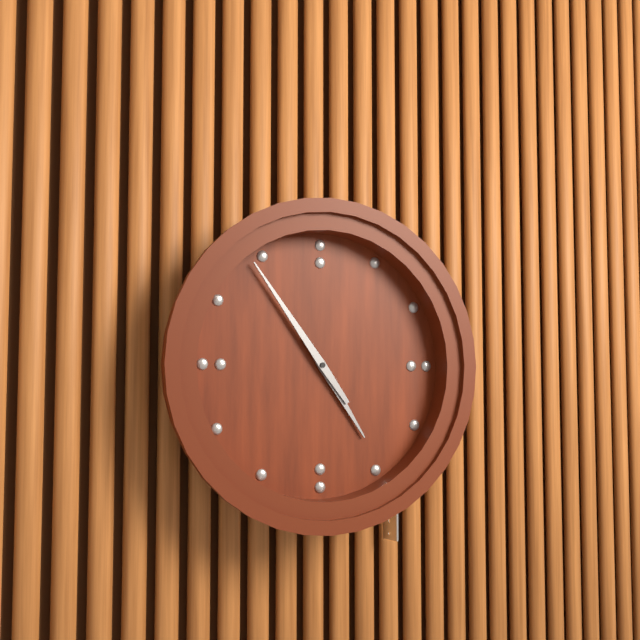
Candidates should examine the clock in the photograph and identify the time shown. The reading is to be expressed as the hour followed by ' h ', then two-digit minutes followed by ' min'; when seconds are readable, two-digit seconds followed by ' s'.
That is 4 h 54 min
